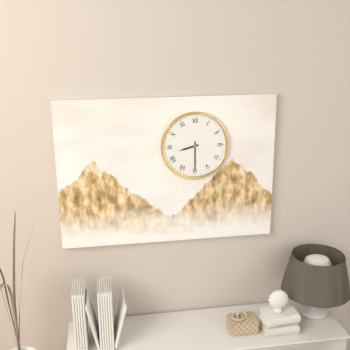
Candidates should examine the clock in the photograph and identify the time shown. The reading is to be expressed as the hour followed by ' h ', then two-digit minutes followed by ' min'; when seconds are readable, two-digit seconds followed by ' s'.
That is 8 h 30 min
